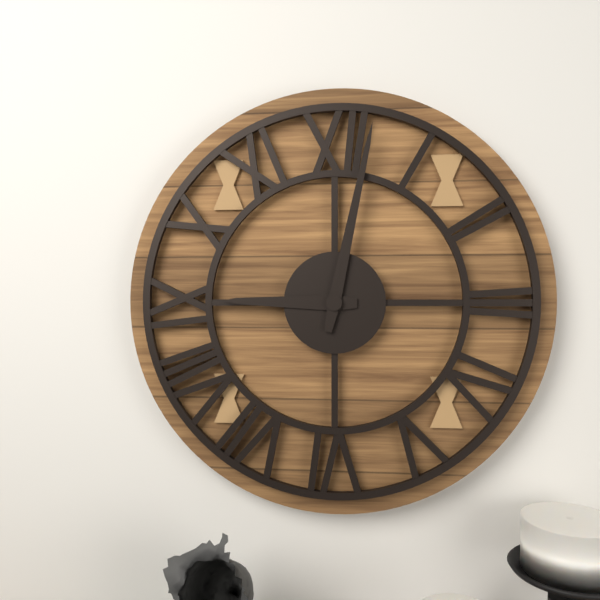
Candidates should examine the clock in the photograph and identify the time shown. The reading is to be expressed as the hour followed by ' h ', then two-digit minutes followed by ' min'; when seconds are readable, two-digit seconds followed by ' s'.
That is 9 h 02 min
